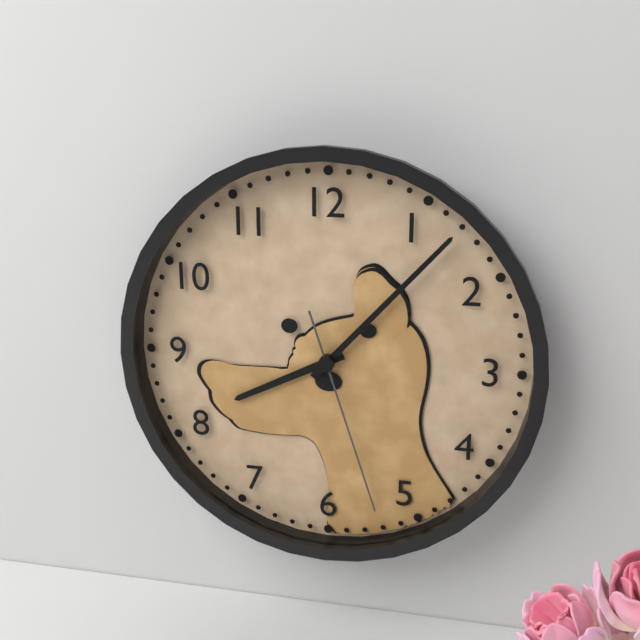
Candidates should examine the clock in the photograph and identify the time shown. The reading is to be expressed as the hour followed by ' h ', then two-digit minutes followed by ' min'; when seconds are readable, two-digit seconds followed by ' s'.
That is 8 h 07 min 27 s
